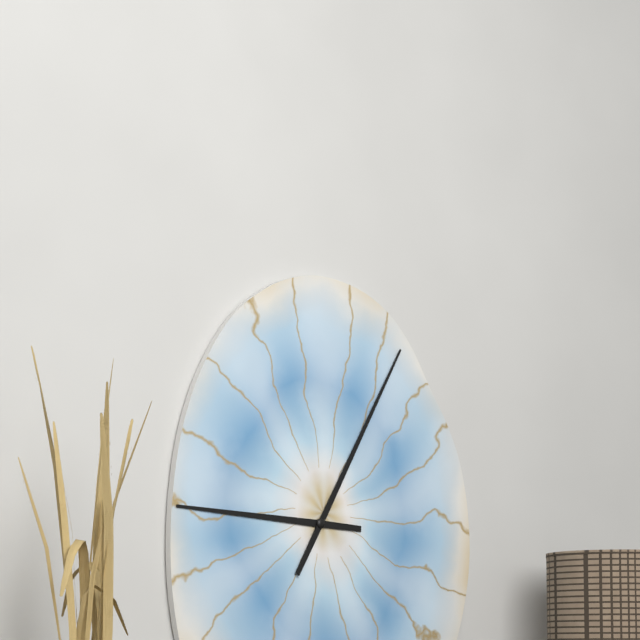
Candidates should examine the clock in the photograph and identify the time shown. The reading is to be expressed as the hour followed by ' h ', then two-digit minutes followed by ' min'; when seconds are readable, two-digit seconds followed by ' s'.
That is 9 h 05 min
